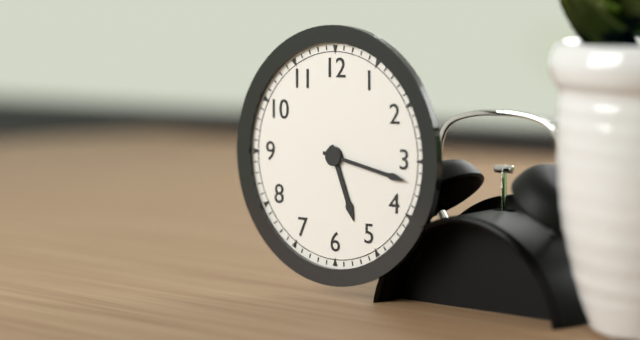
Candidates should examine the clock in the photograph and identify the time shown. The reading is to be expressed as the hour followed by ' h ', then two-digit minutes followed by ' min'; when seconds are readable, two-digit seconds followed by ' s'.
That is 5 h 17 min
